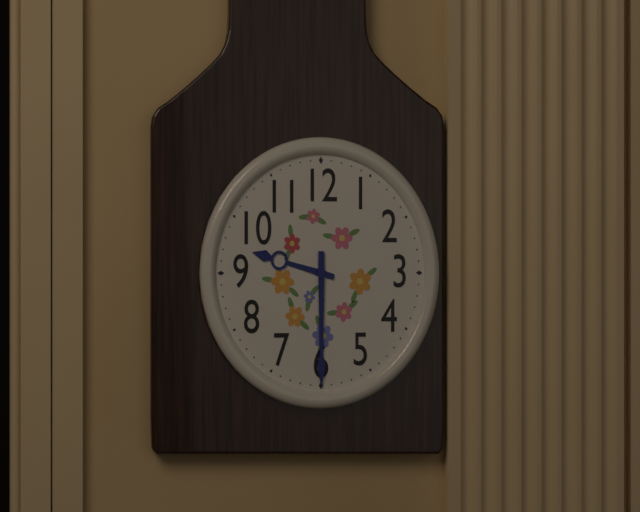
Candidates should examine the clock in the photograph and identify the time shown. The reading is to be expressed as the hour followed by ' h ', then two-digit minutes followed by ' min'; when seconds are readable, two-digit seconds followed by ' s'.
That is 9 h 30 min
